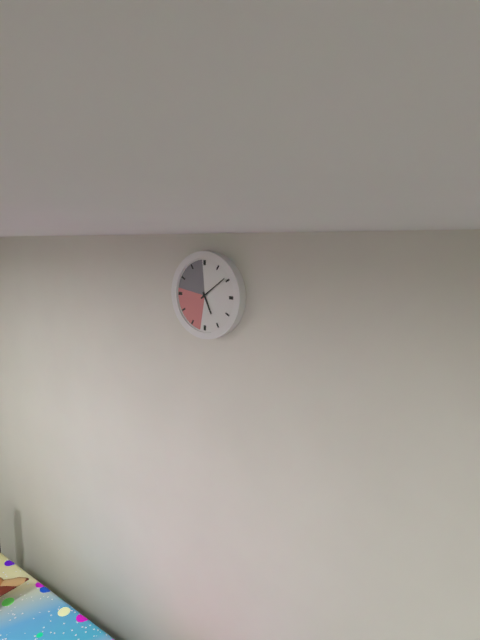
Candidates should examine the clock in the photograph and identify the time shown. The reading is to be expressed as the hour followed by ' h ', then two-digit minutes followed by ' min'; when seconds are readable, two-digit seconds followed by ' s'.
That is 5 h 09 min
